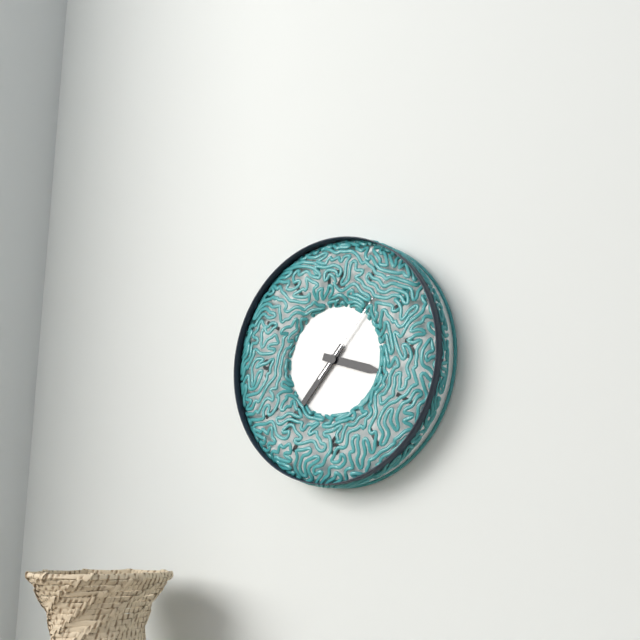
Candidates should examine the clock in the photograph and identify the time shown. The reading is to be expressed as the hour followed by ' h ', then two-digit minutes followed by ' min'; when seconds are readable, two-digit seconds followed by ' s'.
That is 3 h 37 min 07 s
